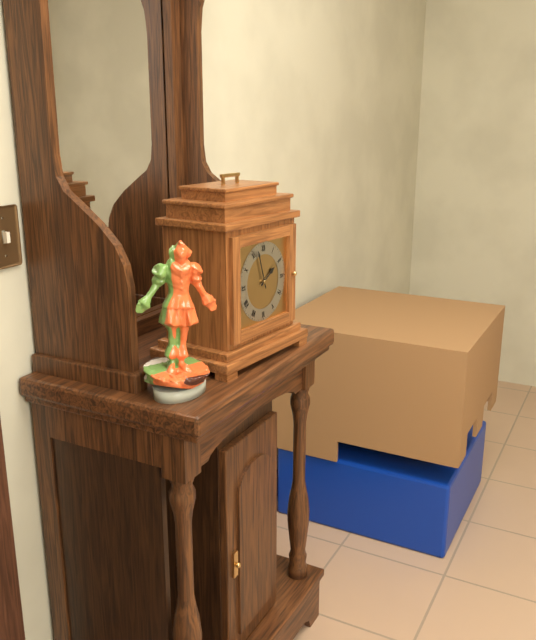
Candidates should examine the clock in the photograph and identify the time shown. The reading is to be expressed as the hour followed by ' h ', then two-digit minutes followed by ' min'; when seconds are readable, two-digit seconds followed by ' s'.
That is 1 h 57 min
